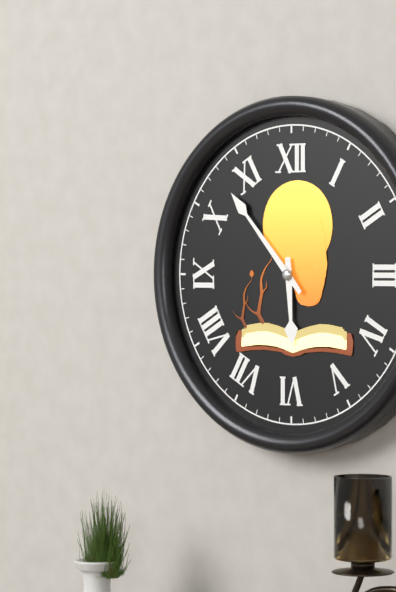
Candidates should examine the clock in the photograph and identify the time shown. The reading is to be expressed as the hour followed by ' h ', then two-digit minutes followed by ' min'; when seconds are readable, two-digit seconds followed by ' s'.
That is 5 h 53 min
